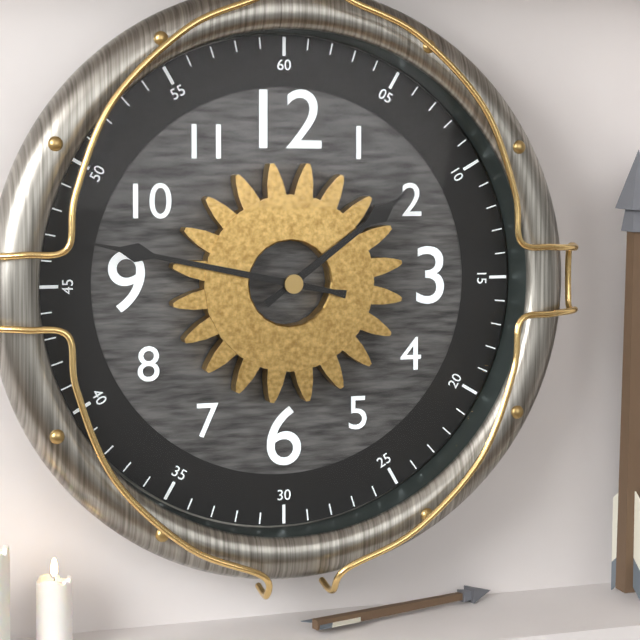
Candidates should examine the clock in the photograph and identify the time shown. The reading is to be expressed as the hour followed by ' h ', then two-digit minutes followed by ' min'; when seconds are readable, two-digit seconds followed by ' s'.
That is 1 h 47 min
